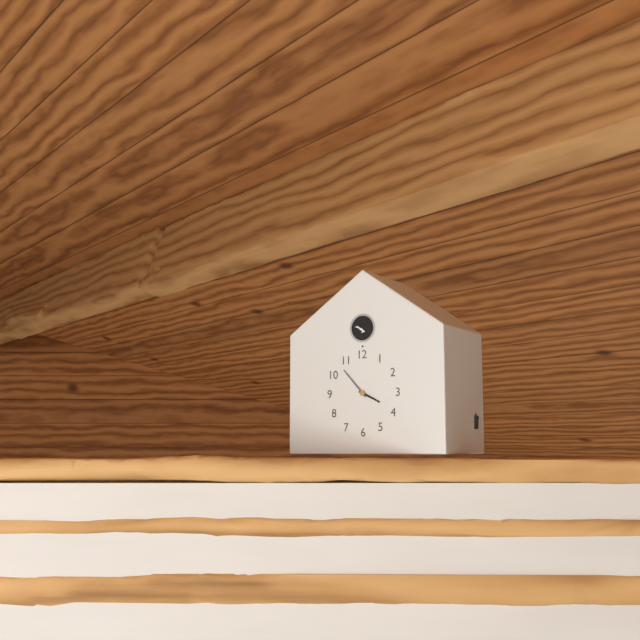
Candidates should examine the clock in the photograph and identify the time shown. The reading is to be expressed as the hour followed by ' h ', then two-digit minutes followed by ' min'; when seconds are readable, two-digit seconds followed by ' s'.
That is 3 h 53 min
